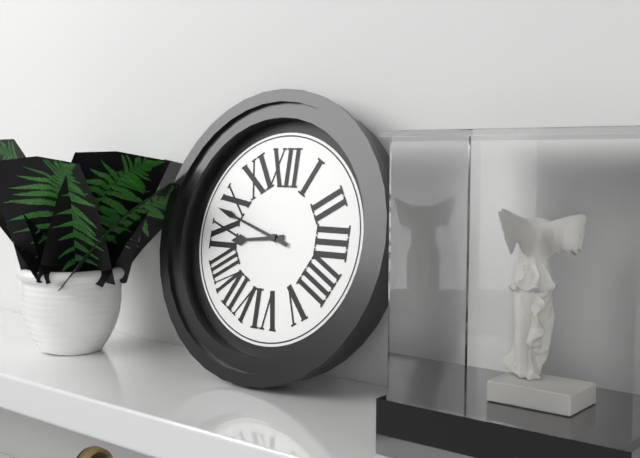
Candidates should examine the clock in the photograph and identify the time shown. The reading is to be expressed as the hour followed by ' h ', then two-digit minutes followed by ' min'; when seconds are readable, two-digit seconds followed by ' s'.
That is 8 h 48 min
